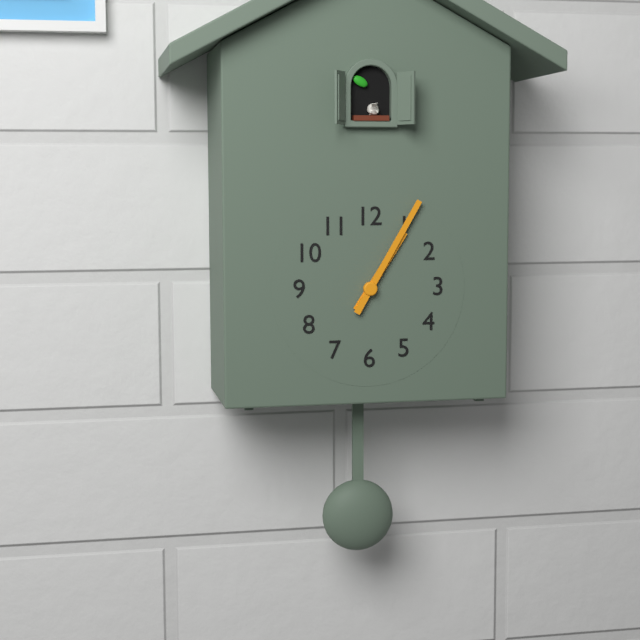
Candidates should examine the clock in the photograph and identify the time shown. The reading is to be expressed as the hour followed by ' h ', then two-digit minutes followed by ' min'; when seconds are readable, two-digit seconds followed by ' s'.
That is 1 h 05 min
